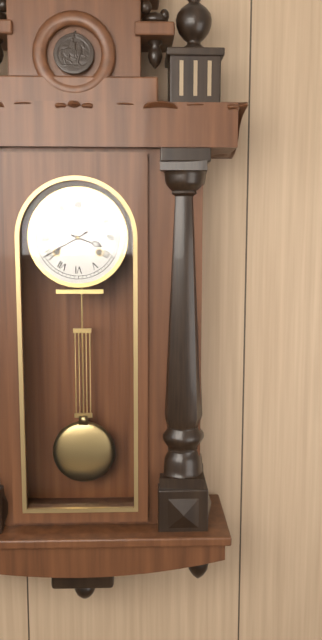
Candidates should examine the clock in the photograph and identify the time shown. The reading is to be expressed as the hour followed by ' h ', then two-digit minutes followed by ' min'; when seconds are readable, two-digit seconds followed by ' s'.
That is 3 h 40 min
